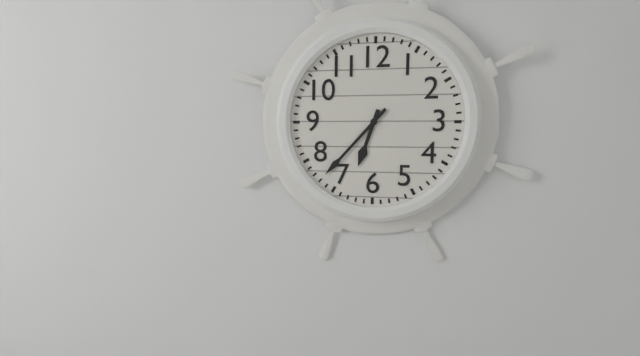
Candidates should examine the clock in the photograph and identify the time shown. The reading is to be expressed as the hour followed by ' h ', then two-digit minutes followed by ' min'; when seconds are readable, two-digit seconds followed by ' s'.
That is 6 h 37 min
